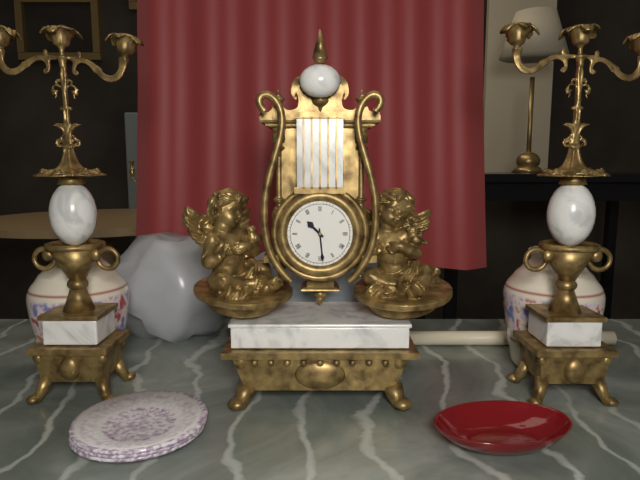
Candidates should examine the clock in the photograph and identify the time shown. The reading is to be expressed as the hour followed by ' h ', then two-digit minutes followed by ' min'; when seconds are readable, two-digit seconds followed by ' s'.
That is 10 h 29 min
